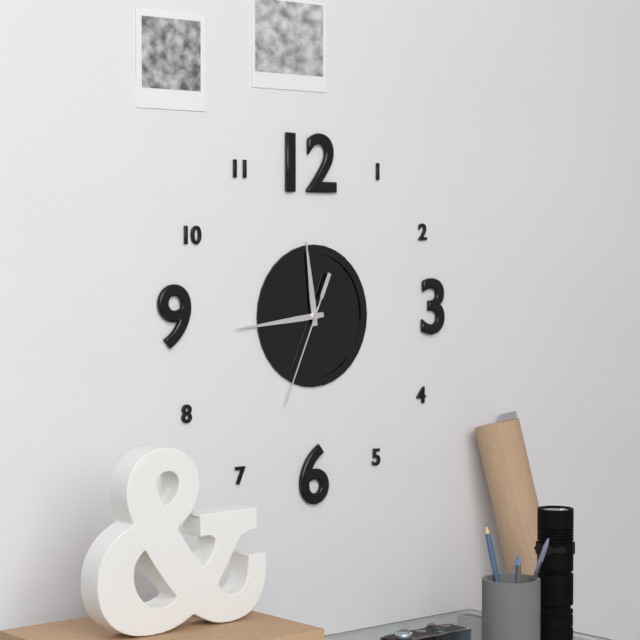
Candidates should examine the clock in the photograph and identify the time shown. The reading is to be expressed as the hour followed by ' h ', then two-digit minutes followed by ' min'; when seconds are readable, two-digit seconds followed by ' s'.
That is 11 h 44 min 34 s
